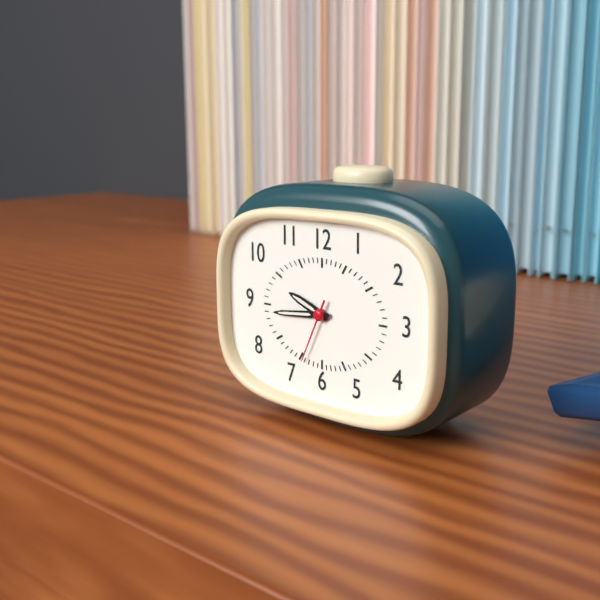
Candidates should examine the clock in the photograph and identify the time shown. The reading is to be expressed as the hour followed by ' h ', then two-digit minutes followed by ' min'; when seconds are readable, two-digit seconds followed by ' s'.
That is 9 h 44 min 34 s
